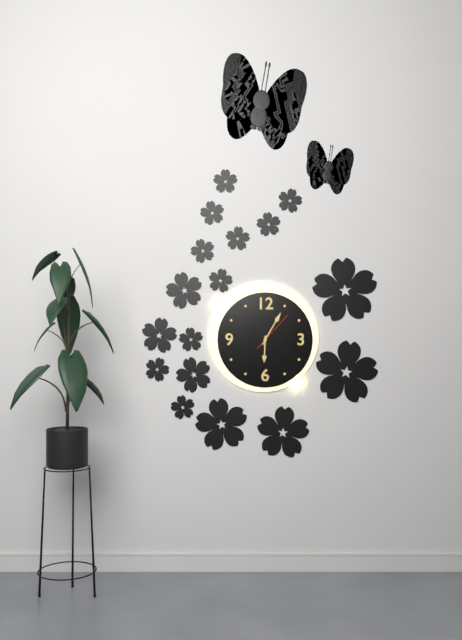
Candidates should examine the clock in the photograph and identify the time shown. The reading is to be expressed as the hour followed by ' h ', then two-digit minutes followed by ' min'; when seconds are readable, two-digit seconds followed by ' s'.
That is 6 h 05 min
